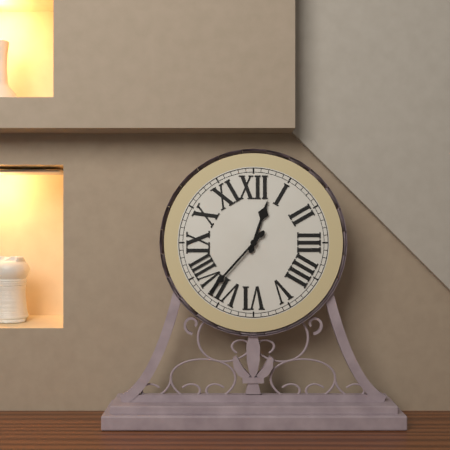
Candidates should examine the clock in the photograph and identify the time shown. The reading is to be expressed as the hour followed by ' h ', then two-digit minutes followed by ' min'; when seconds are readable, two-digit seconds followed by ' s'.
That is 12 h 37 min
